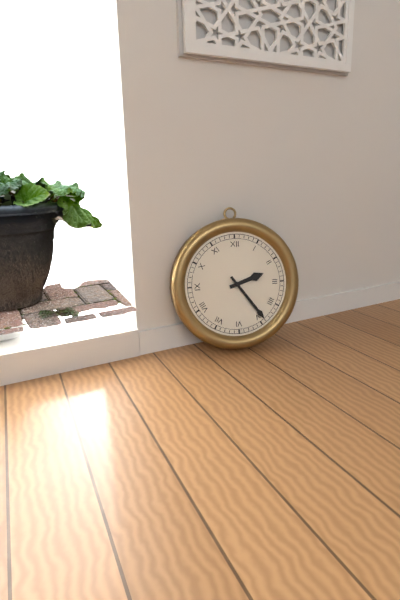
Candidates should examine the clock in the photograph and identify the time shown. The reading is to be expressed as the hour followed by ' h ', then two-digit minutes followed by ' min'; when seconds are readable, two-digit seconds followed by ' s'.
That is 2 h 24 min
